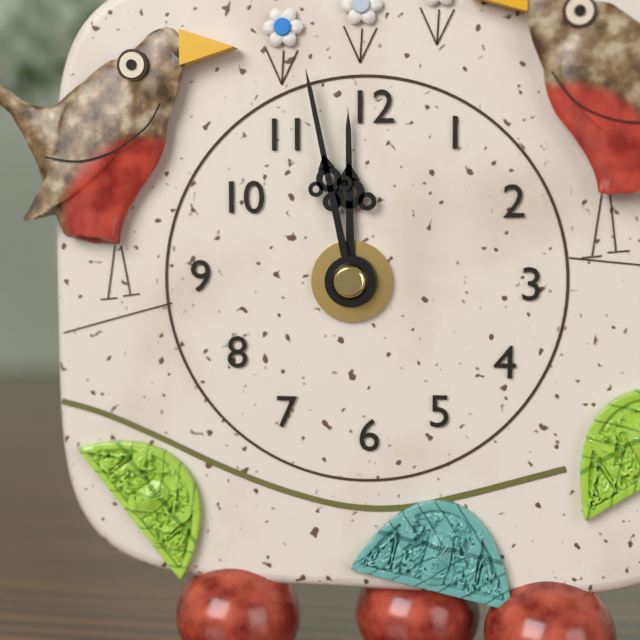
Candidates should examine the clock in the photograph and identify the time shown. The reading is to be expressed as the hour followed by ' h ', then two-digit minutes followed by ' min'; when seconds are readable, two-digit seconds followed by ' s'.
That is 11 h 58 min
